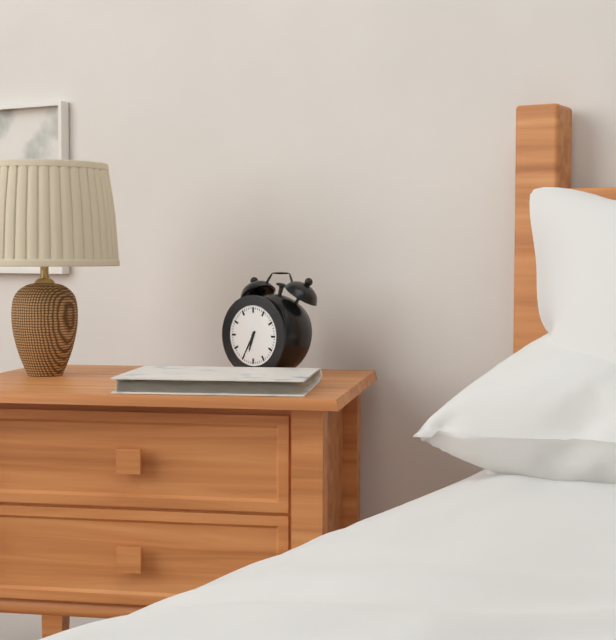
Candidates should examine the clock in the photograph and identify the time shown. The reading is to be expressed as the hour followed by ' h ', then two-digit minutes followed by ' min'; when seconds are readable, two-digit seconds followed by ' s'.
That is 6 h 35 min
